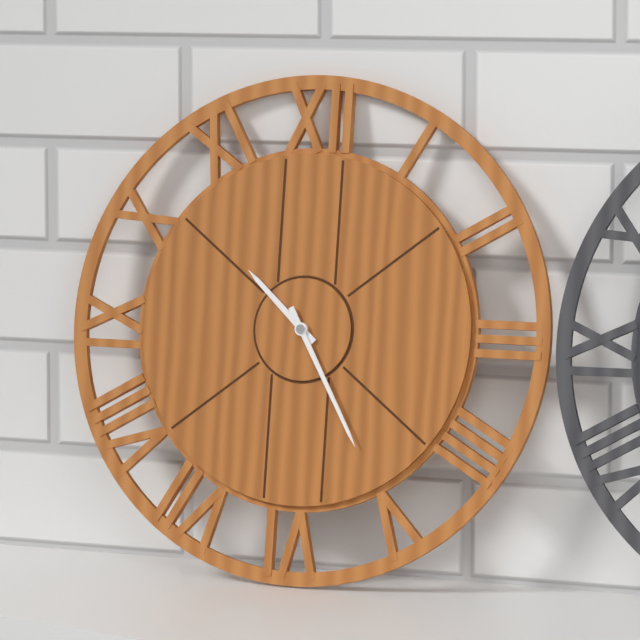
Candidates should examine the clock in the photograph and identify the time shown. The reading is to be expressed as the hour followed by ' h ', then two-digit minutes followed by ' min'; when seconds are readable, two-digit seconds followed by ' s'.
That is 10 h 25 min
